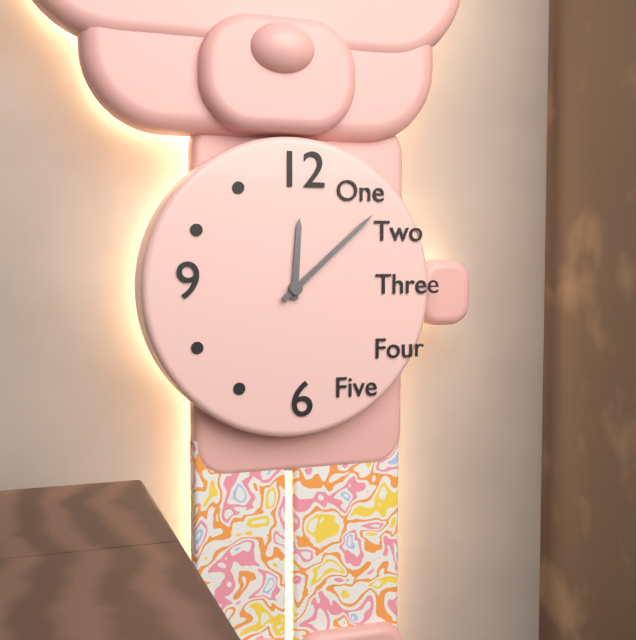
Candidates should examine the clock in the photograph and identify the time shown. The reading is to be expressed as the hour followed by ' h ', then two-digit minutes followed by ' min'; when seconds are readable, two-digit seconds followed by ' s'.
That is 12 h 08 min
